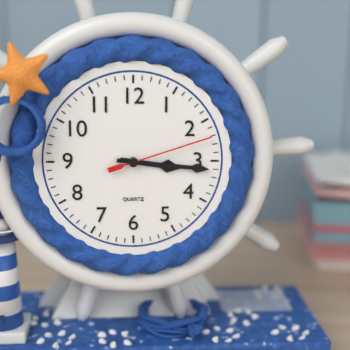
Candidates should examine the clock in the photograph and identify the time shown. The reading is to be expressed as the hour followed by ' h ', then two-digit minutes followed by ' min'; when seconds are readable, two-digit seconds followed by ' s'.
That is 3 h 16 min 12 s
